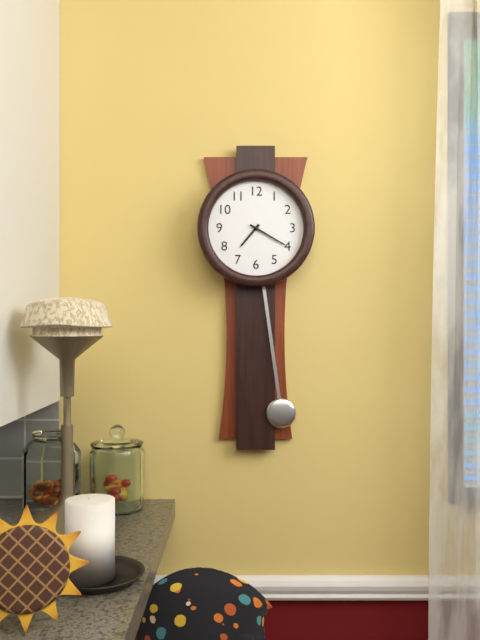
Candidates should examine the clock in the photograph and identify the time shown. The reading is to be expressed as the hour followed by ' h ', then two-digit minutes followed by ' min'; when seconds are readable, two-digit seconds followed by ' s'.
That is 7 h 20 min
